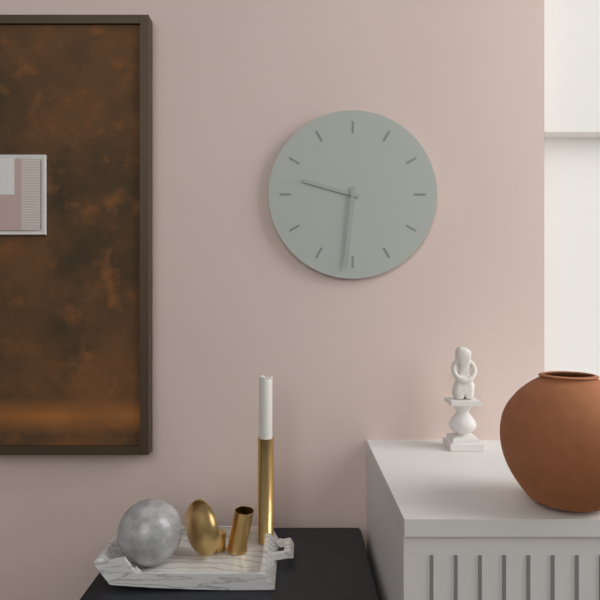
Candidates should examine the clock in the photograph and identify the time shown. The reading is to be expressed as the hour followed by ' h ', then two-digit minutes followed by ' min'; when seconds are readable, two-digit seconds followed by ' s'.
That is 9 h 31 min
